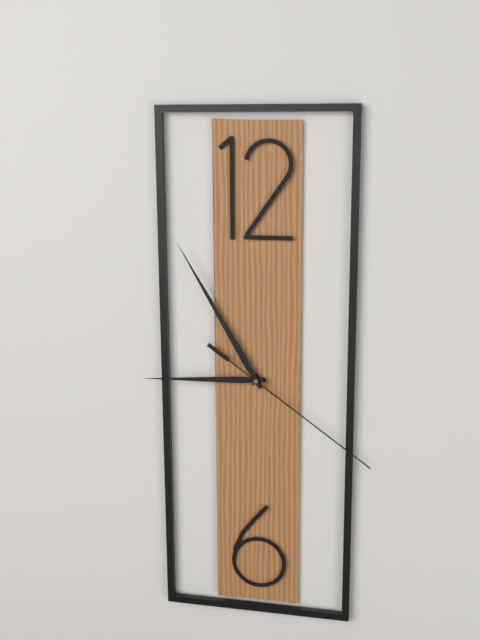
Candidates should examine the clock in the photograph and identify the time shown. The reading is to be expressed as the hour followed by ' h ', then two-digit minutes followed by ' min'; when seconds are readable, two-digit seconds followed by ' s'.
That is 8 h 55 min 21 s
